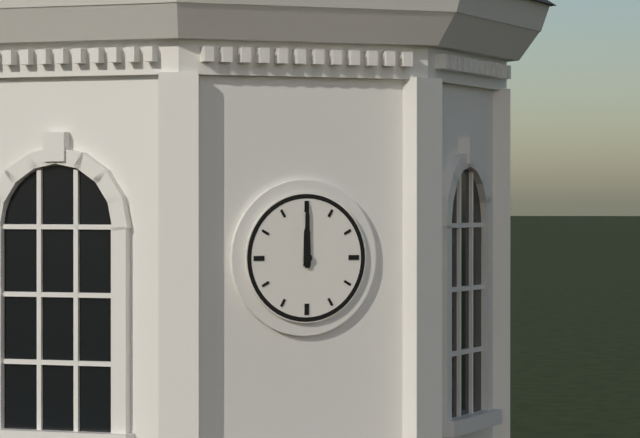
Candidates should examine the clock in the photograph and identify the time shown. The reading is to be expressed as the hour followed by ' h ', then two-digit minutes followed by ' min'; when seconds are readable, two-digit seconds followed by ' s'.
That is 12 h 00 min
